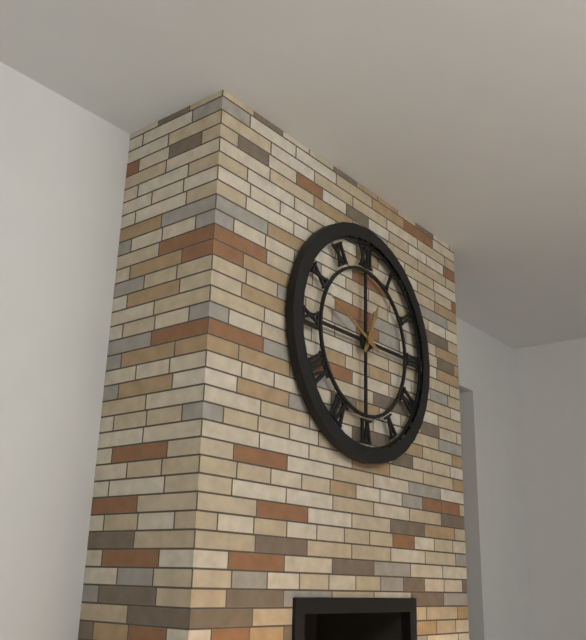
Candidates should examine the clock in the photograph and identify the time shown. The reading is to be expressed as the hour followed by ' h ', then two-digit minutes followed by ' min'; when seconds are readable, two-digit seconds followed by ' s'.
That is 12 h 49 min
